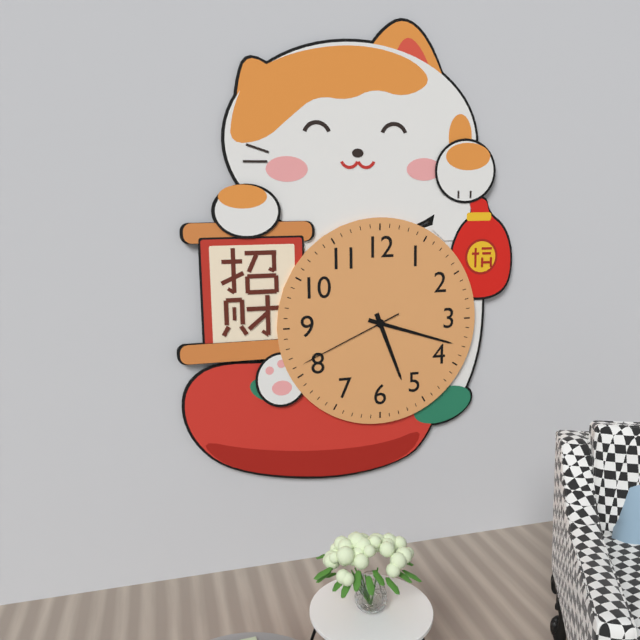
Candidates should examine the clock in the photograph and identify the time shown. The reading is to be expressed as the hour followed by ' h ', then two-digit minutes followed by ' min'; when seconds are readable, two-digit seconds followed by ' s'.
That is 5 h 18 min 41 s
